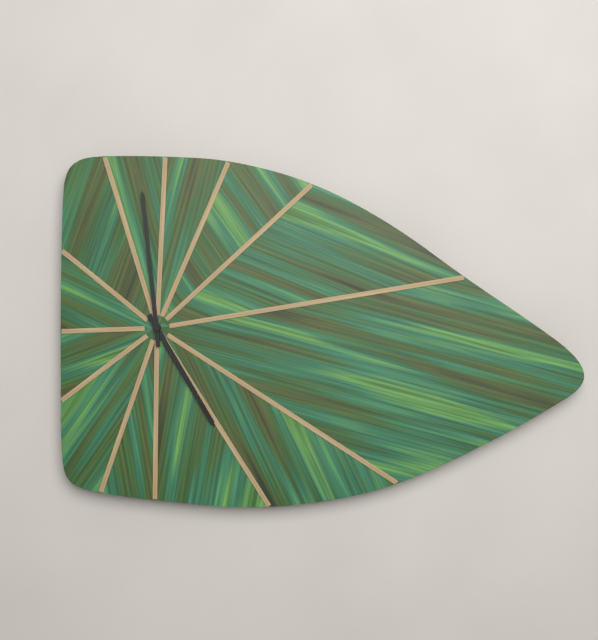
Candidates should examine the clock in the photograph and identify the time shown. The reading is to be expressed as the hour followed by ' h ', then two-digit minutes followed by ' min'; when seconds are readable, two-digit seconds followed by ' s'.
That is 4 h 59 min
